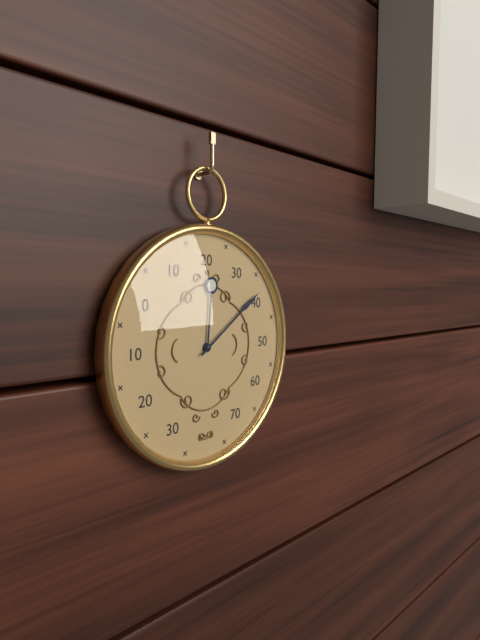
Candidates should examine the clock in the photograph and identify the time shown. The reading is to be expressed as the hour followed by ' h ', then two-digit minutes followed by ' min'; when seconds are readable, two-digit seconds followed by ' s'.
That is 12 h 09 min
